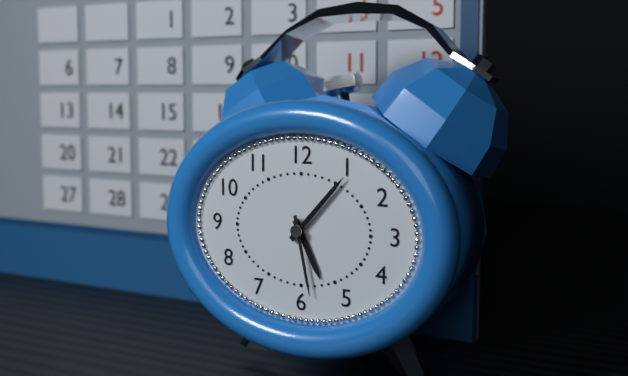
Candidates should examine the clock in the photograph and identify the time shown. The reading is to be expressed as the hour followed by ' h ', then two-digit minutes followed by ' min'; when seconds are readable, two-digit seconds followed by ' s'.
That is 5 h 07 min 28 s
